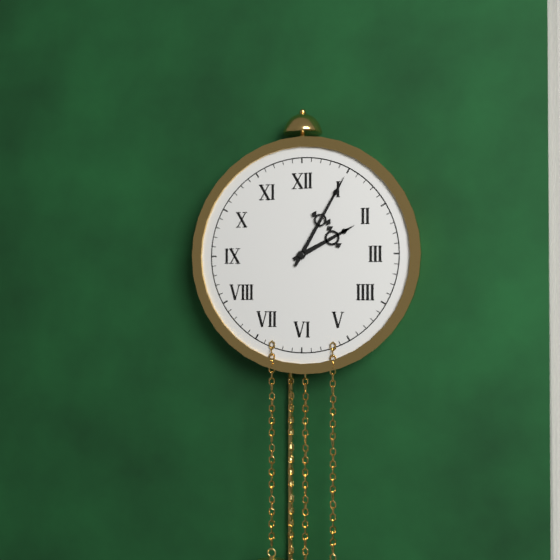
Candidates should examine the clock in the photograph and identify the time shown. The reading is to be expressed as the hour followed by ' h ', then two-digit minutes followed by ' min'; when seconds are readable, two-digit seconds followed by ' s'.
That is 2 h 05 min
